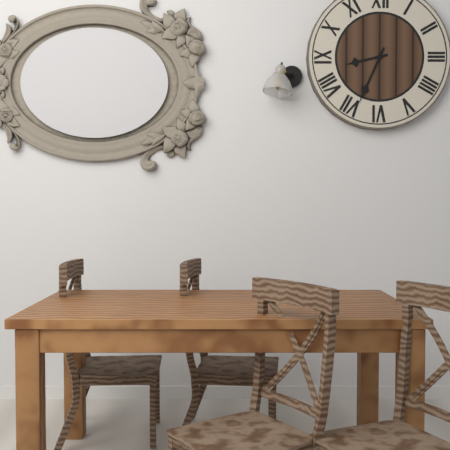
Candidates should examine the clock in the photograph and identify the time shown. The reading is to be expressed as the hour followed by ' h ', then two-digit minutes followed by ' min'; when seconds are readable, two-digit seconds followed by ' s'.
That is 8 h 34 min
